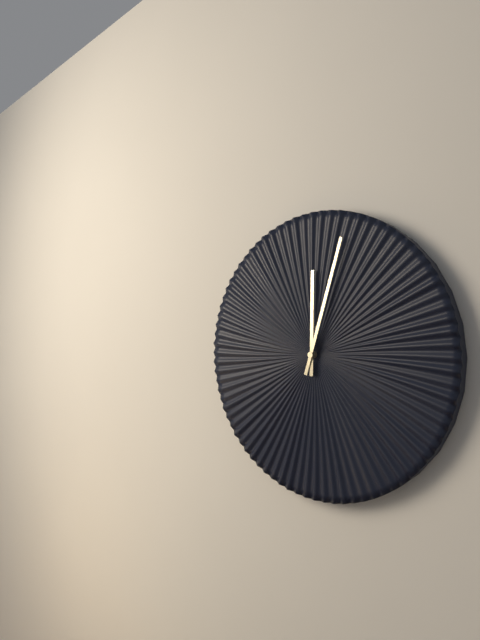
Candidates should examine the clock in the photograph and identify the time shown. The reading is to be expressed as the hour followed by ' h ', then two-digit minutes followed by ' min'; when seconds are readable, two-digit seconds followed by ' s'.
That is 12 h 03 min
